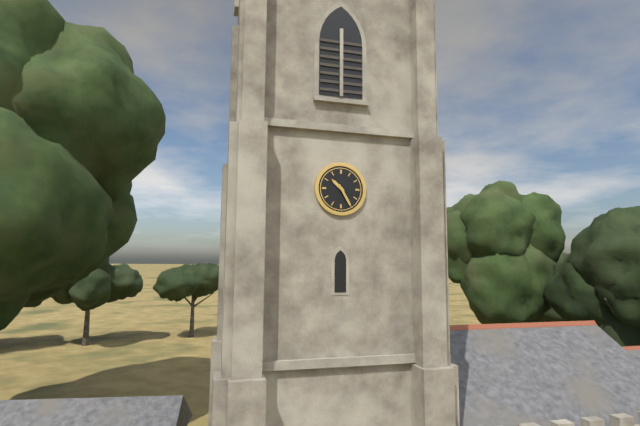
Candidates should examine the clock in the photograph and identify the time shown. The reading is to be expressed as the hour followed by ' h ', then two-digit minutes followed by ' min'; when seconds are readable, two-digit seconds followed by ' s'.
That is 10 h 25 min
